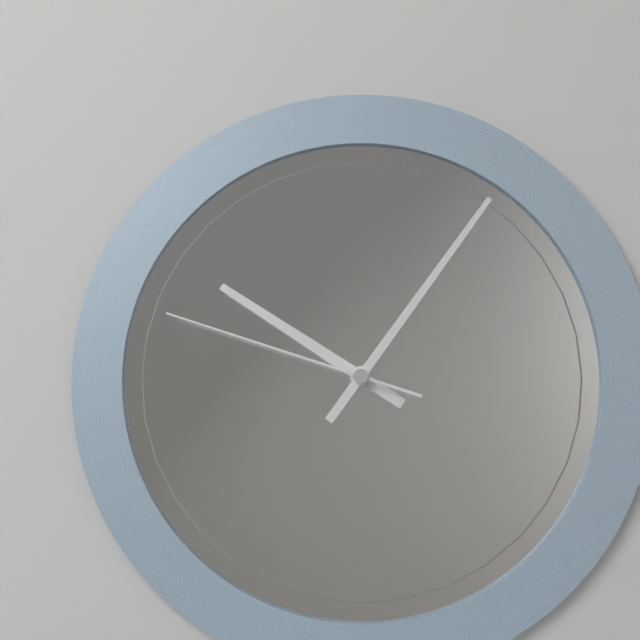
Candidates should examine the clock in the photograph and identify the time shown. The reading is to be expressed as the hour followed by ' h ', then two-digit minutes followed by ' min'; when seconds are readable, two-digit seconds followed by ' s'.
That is 10 h 06 min 48 s
